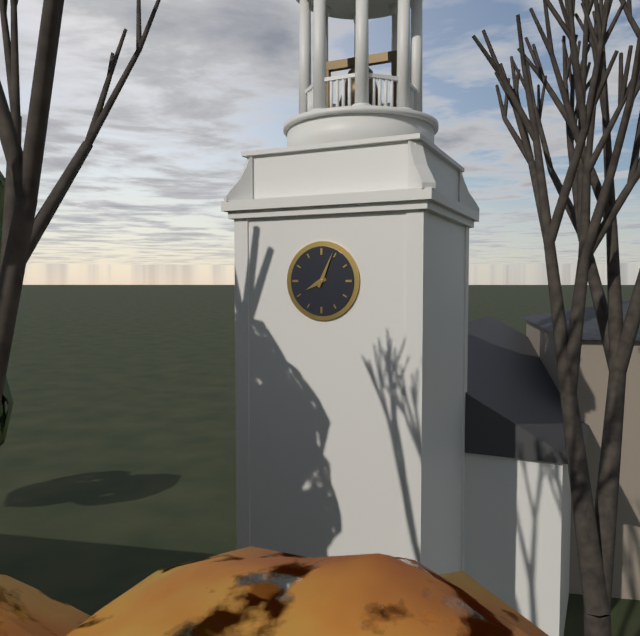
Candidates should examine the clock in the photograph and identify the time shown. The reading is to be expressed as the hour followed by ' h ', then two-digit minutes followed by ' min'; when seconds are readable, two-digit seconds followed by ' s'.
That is 8 h 04 min
